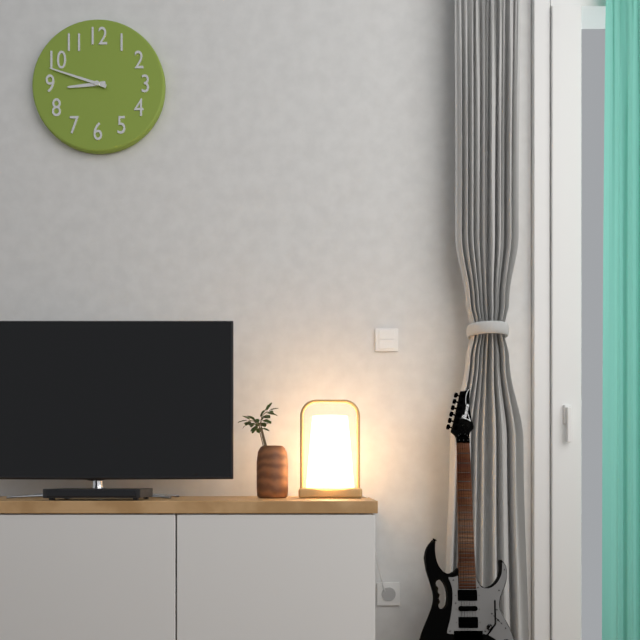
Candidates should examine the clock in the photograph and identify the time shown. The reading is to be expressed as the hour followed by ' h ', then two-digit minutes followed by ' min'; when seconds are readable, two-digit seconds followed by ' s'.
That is 8 h 48 min
